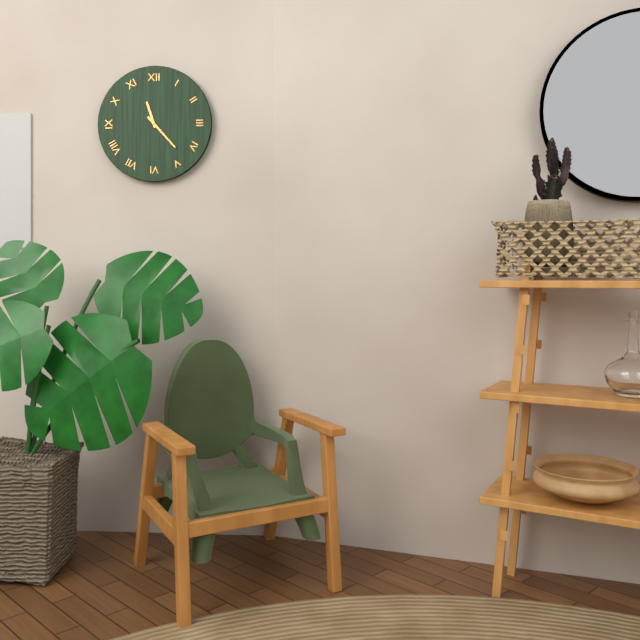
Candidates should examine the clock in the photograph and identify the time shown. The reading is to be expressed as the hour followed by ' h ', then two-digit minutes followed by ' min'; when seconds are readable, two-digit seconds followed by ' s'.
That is 11 h 23 min
